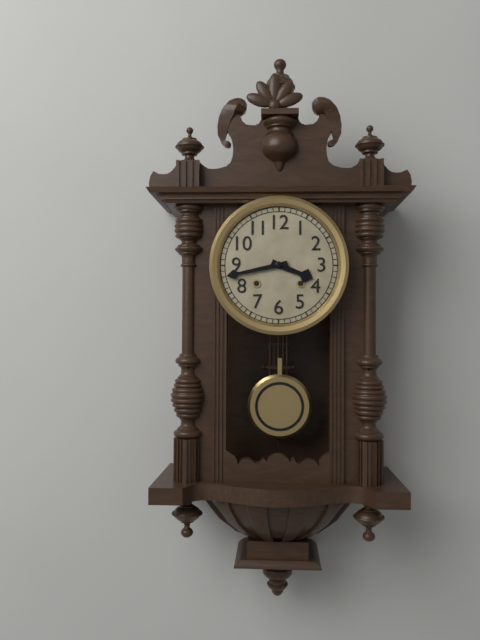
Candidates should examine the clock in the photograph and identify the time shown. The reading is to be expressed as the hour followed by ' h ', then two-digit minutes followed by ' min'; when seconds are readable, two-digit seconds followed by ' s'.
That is 3 h 43 min
